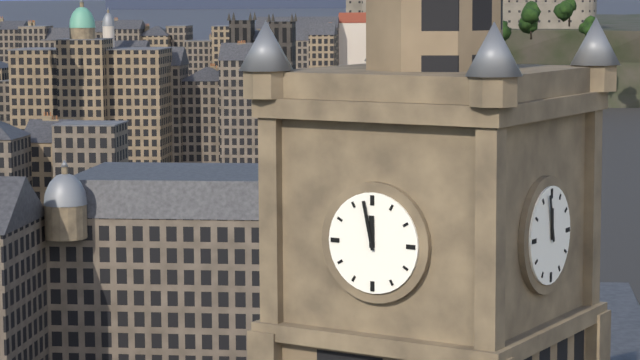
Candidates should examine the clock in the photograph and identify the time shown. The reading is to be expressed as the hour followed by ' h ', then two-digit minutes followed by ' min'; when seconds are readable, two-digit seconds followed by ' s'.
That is 11 h 58 min
